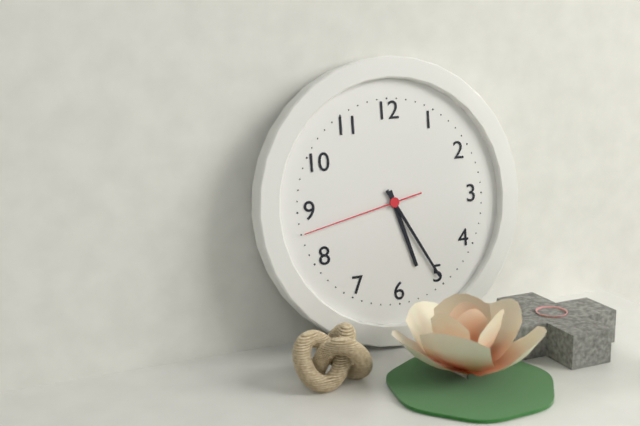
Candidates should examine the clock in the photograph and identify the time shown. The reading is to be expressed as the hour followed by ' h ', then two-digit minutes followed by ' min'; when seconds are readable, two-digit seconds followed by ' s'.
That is 5 h 25 min 43 s
